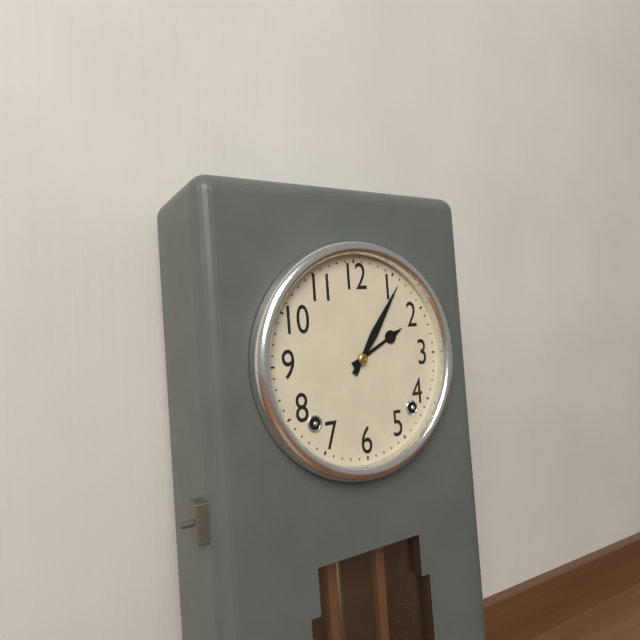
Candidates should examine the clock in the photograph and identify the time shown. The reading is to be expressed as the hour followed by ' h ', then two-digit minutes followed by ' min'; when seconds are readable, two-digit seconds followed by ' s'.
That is 2 h 06 min
